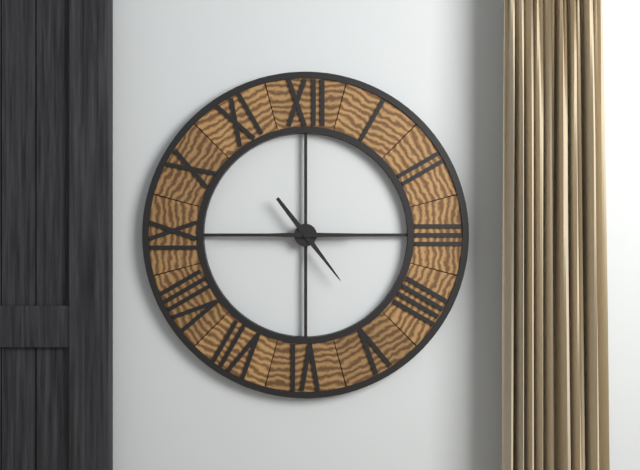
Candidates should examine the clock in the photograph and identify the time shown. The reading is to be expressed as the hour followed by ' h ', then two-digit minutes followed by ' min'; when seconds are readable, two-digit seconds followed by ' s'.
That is 4 h 45 min
